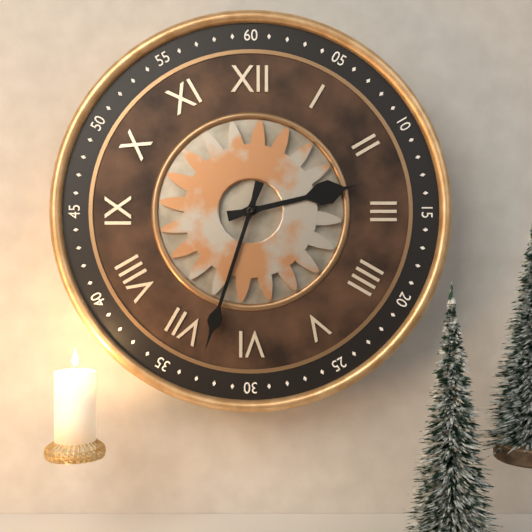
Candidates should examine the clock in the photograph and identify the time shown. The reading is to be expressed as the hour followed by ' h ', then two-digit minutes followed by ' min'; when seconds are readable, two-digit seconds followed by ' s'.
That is 2 h 33 min
